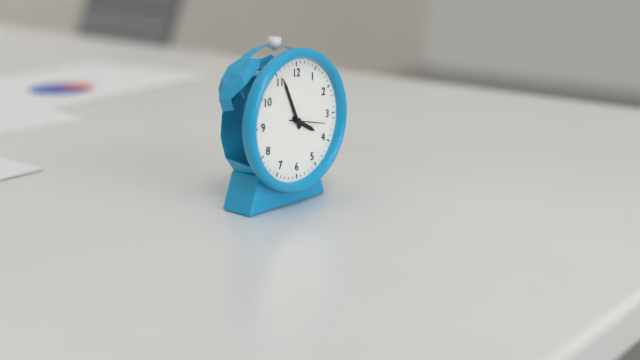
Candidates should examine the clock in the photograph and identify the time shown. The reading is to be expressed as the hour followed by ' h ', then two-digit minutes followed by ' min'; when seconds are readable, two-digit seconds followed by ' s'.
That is 3 h 56 min
